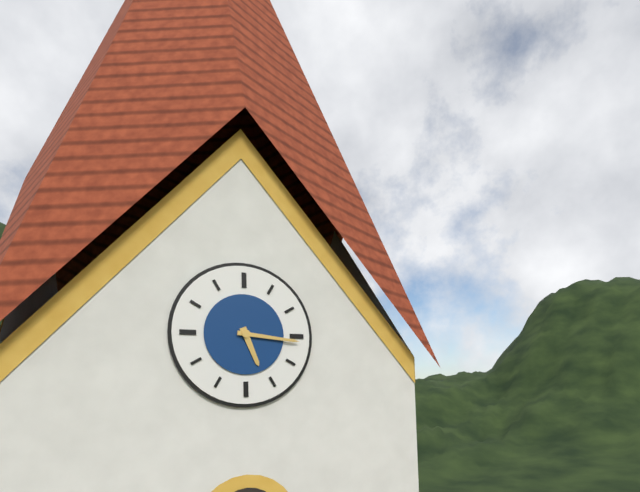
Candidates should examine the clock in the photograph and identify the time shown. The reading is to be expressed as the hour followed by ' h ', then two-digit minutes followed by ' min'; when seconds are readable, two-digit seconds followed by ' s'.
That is 5 h 16 min
